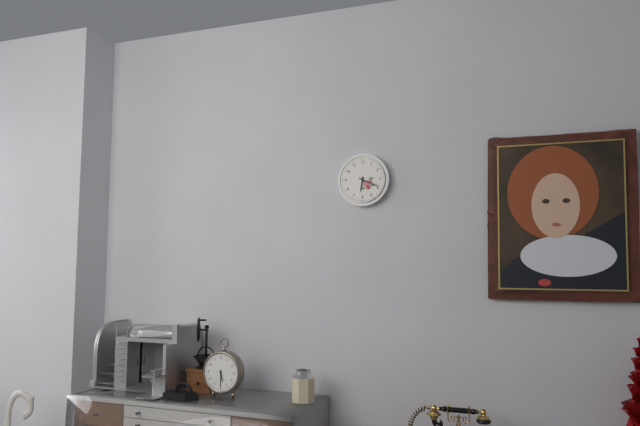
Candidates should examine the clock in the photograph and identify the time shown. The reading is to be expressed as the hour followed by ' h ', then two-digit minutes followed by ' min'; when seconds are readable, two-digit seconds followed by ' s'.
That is 6 h 19 min
